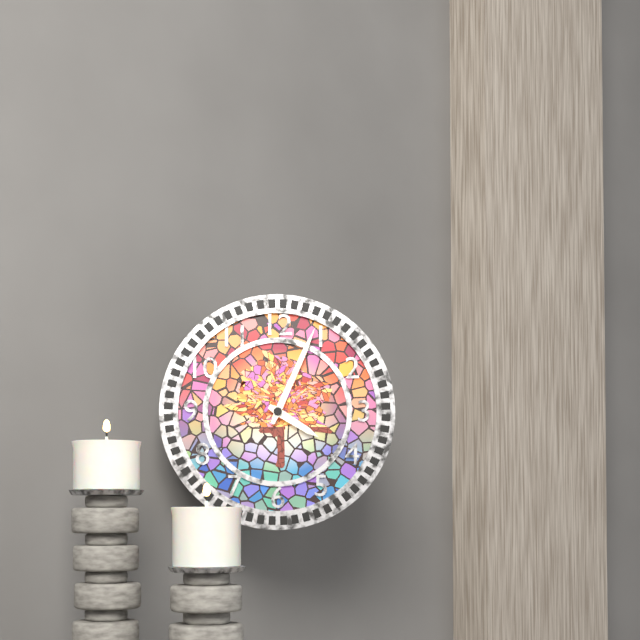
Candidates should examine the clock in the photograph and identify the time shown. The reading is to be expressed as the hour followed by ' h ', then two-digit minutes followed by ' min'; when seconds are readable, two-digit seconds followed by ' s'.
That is 4 h 04 min
